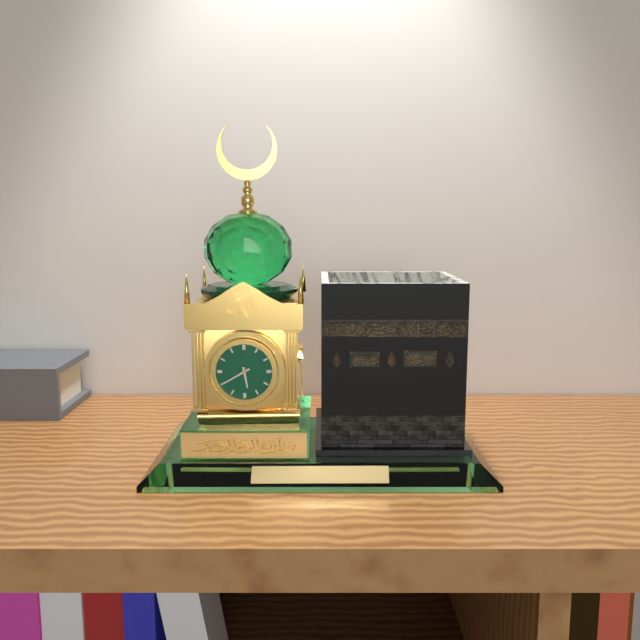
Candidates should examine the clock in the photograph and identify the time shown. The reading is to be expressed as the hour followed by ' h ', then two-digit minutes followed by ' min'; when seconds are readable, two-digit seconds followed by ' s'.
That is 5 h 40 min
